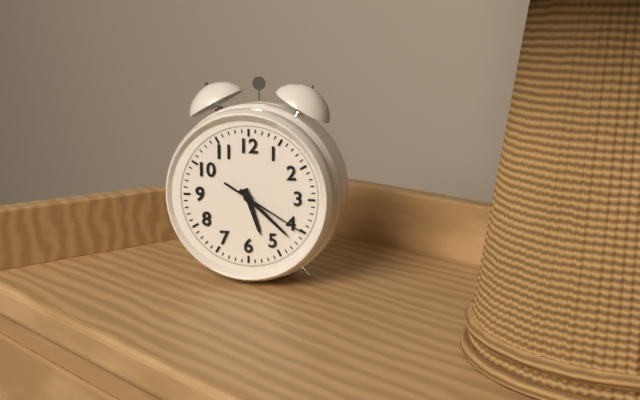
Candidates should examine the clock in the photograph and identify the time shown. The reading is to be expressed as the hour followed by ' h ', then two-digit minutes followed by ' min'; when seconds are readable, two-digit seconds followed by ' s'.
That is 5 h 22 min 20 s
